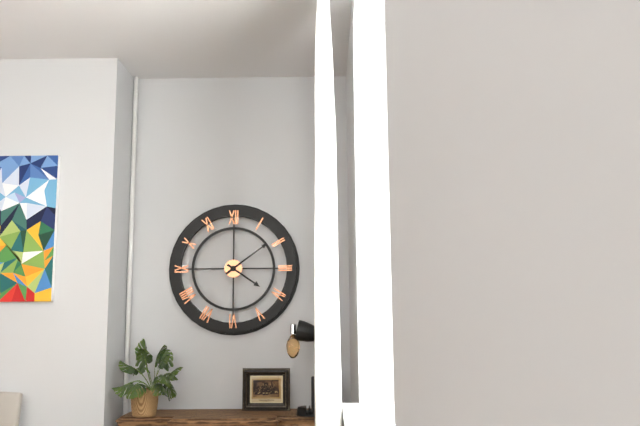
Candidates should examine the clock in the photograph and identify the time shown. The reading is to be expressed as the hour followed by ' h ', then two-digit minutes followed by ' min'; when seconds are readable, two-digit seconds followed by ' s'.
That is 4 h 09 min
